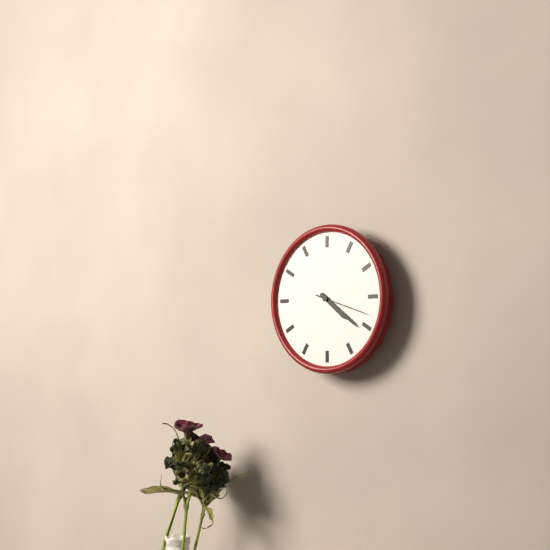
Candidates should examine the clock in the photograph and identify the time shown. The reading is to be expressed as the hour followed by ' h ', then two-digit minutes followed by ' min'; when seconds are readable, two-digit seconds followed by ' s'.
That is 4 h 21 min 18 s
